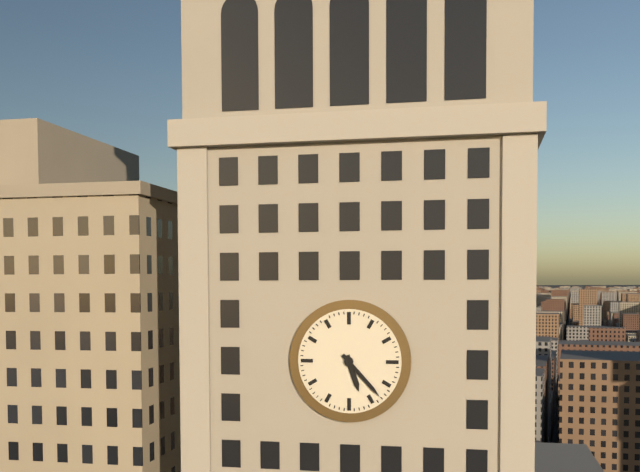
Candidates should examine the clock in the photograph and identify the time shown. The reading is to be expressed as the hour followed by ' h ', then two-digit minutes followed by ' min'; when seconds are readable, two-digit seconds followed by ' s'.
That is 5 h 23 min
